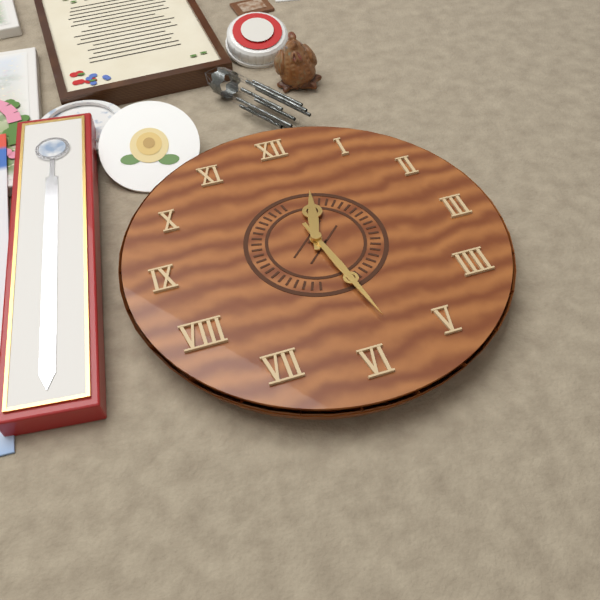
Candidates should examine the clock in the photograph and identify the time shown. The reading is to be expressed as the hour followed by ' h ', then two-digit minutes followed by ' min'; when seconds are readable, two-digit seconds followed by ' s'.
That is 12 h 28 min
